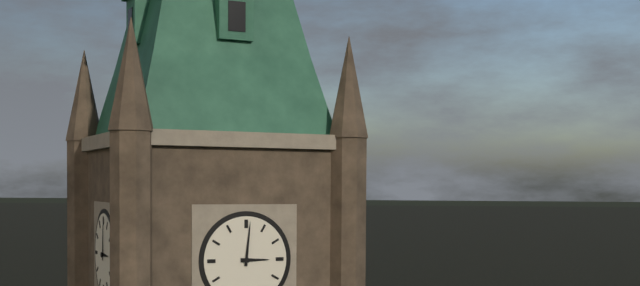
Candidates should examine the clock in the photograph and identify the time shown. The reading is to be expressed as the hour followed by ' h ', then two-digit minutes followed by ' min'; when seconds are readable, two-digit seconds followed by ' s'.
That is 3 h 01 min
